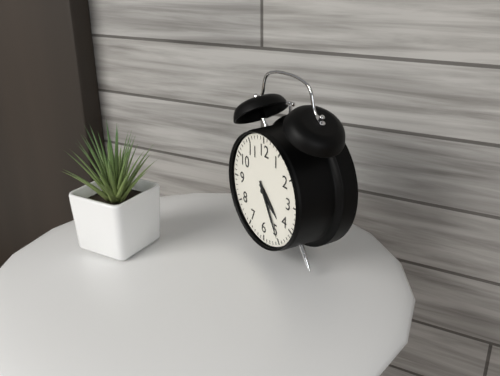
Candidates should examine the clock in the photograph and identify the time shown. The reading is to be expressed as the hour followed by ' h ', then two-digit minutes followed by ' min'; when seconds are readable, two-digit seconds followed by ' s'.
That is 4 h 25 min
